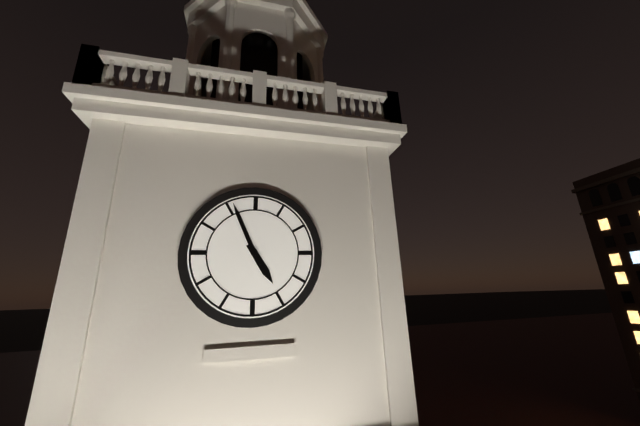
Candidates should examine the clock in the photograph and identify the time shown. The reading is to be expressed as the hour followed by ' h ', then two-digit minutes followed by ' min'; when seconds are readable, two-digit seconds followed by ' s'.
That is 4 h 56 min
